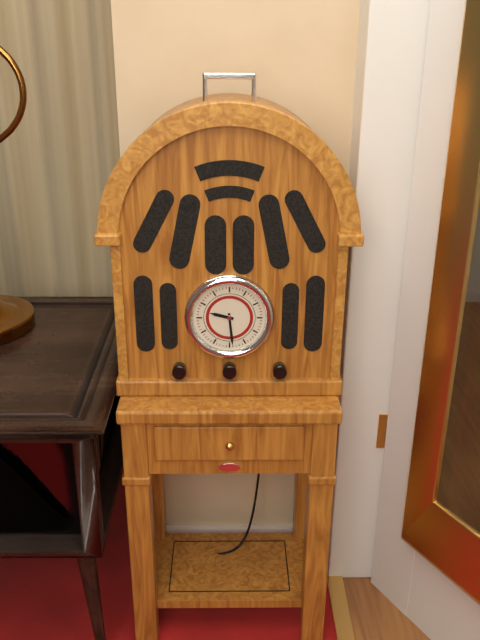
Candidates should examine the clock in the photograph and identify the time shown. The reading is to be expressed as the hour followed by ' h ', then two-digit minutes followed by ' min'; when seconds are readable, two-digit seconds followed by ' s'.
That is 9 h 29 min
